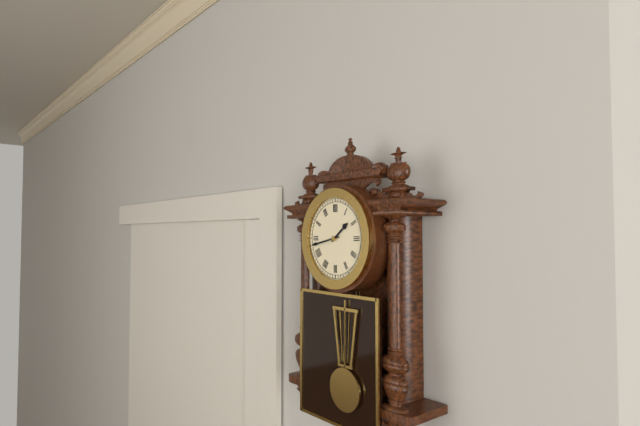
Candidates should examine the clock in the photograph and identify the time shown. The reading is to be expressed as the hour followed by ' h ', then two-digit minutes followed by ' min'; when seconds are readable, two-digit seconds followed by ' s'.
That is 1 h 43 min
